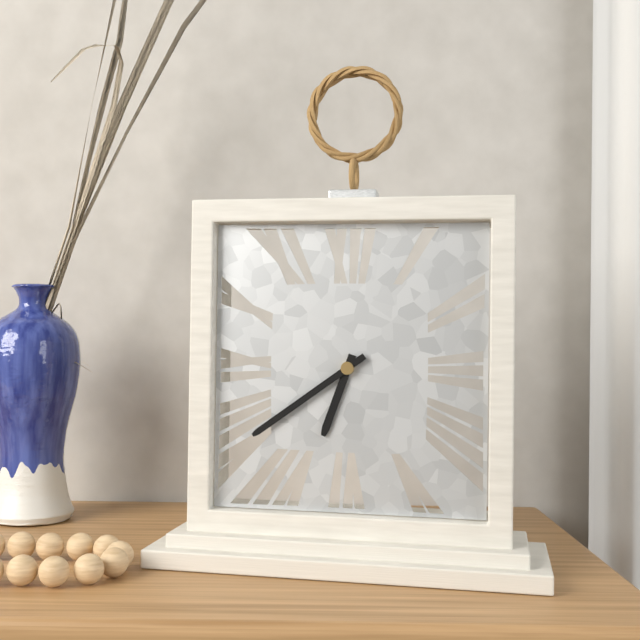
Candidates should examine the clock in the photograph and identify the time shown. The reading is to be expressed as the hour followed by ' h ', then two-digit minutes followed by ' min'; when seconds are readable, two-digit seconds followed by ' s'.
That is 6 h 39 min
